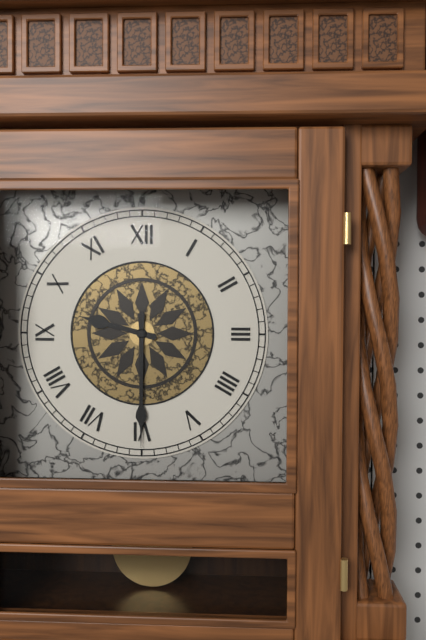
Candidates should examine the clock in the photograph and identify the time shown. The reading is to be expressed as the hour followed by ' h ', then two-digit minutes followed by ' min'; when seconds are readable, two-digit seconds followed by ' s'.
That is 9 h 30 min
